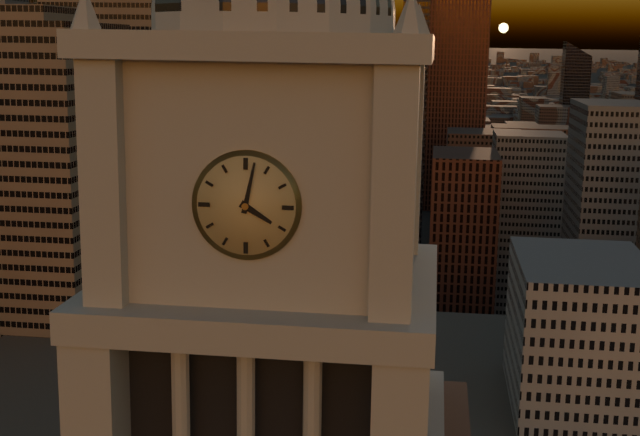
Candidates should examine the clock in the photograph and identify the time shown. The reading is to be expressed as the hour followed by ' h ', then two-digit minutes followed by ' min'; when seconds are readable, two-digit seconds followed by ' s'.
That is 4 h 02 min
